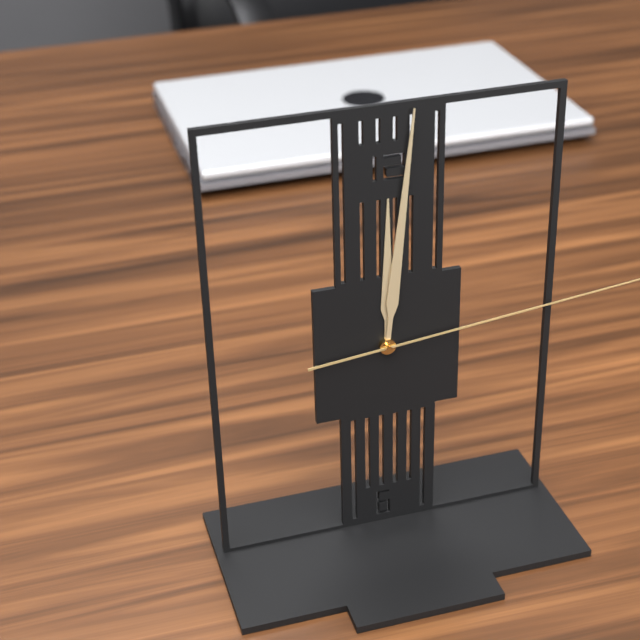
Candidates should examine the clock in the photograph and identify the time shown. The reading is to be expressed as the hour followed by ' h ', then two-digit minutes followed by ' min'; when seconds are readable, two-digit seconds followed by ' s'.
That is 12 h 01 min
